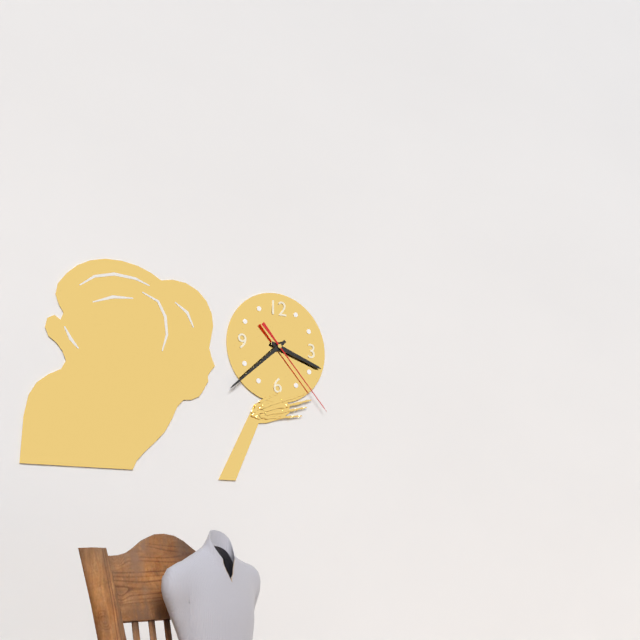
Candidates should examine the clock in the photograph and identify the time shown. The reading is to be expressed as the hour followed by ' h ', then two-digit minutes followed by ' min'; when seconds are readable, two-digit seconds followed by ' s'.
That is 3 h 38 min 23 s
